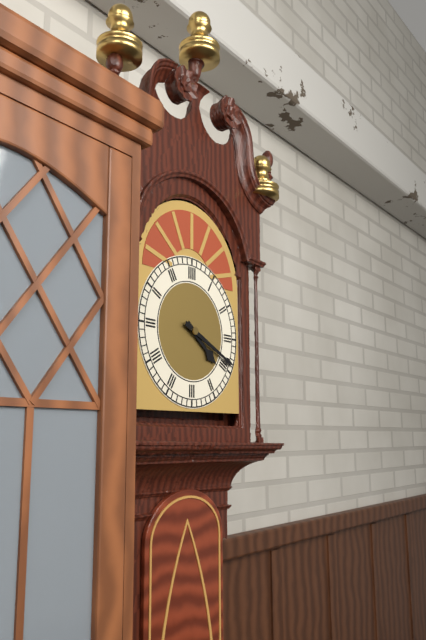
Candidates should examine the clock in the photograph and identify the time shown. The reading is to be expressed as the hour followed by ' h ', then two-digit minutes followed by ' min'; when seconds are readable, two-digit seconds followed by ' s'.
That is 4 h 19 min
